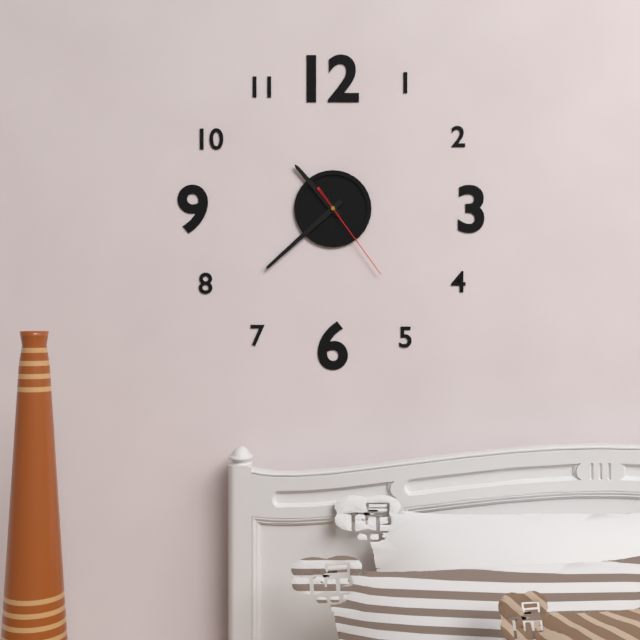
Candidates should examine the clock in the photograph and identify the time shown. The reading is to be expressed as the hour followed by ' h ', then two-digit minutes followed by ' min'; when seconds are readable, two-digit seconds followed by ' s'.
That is 10 h 38 min 24 s
